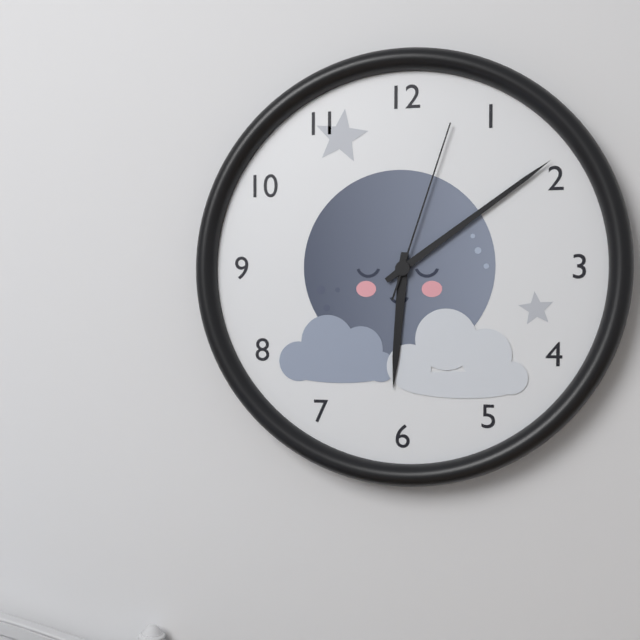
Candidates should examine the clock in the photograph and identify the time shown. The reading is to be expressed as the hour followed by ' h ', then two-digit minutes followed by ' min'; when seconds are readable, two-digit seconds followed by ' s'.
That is 6 h 09 min 03 s
